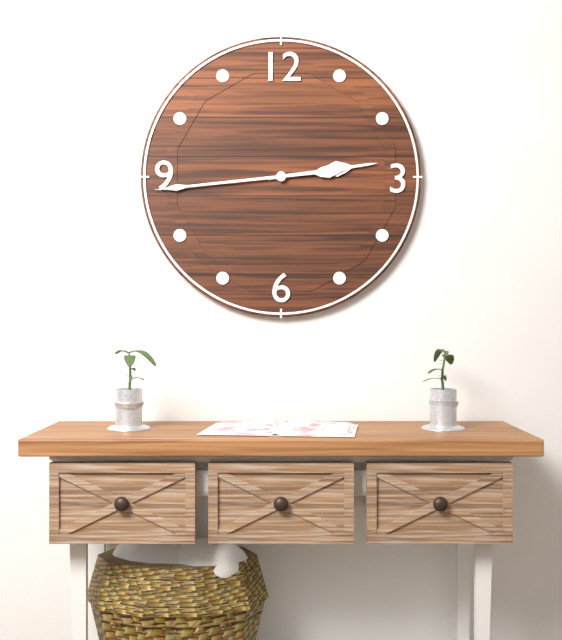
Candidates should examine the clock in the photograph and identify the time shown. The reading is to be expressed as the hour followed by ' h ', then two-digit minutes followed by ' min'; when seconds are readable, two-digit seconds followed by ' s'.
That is 2 h 44 min
